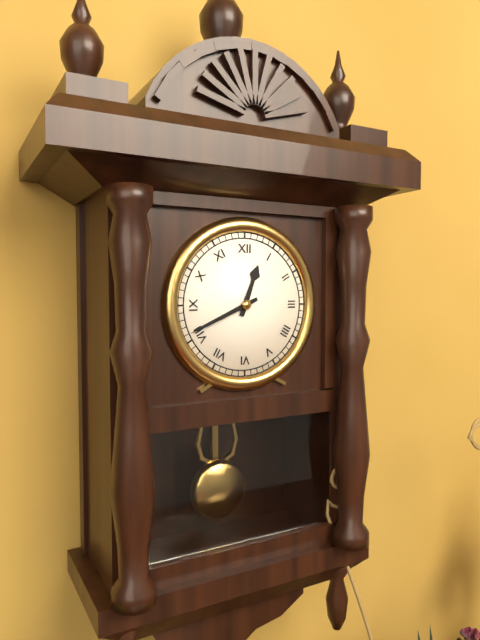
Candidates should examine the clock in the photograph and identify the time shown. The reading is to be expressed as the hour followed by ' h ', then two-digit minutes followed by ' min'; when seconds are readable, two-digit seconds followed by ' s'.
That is 12 h 41 min
